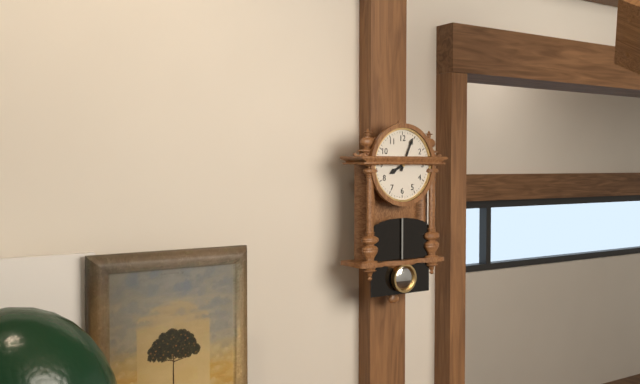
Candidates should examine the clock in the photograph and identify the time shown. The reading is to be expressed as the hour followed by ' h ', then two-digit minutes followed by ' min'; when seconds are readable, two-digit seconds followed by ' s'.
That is 8 h 04 min
